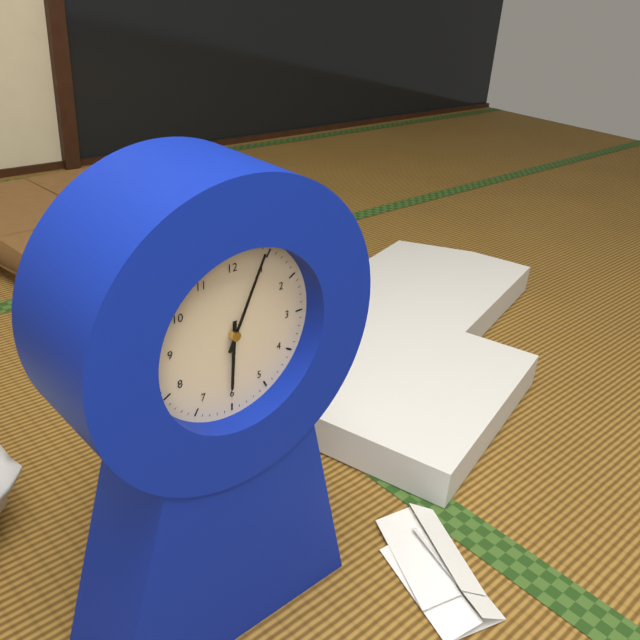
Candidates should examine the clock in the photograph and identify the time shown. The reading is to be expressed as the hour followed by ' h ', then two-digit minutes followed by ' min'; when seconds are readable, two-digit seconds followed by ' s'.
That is 6 h 04 min
